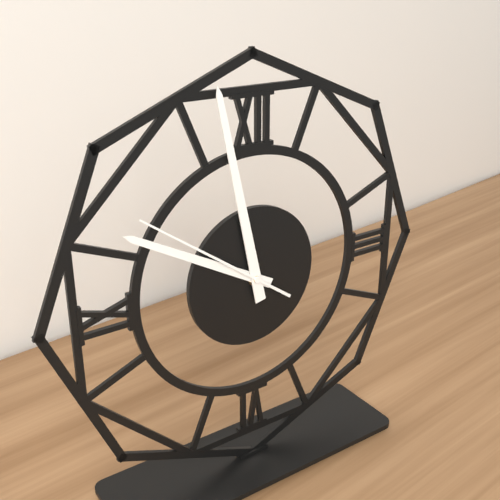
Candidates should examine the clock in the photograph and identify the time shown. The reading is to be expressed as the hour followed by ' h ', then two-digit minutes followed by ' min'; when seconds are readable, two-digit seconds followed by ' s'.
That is 9 h 58 min 51 s
